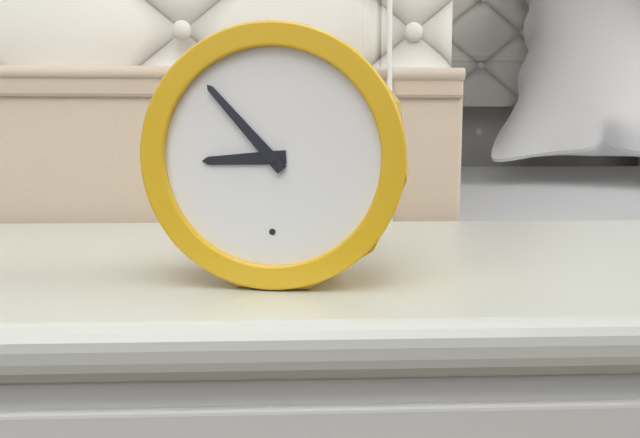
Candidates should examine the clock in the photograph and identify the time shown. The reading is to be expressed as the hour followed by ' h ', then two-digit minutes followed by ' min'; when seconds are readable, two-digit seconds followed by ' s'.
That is 8 h 53 min
